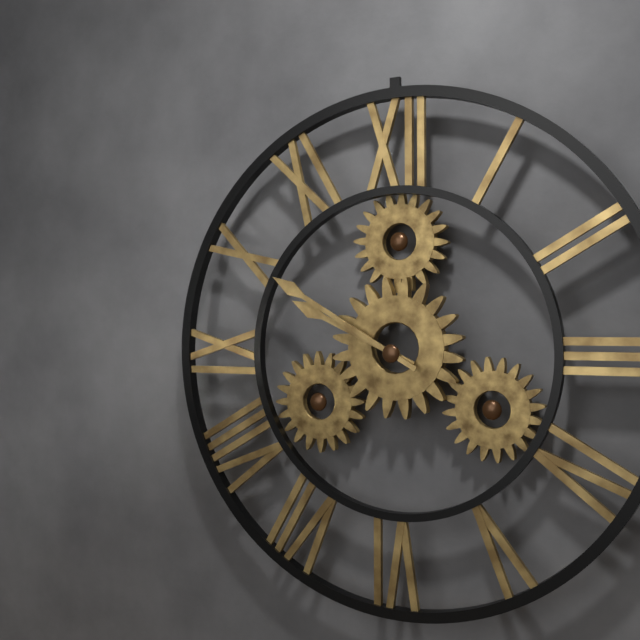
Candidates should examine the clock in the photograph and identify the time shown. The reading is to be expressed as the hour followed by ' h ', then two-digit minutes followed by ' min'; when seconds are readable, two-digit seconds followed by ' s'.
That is 9 h 50 min
